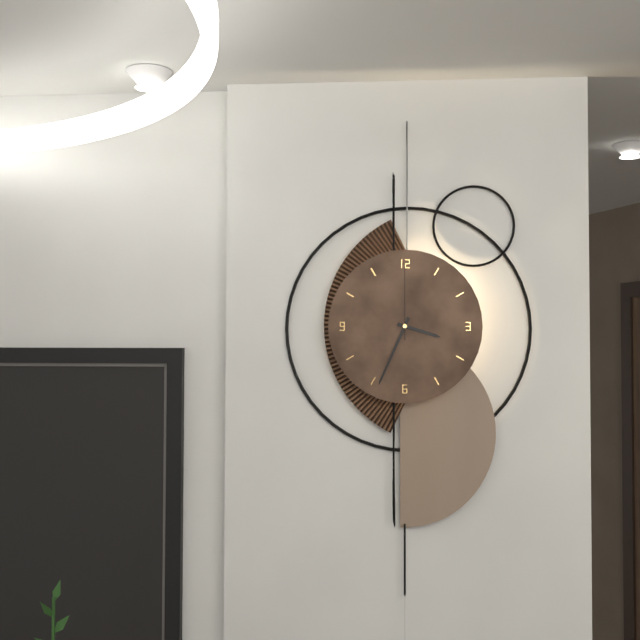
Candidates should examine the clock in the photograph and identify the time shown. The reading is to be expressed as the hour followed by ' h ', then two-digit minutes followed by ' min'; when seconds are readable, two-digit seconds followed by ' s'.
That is 3 h 34 min 00 s
